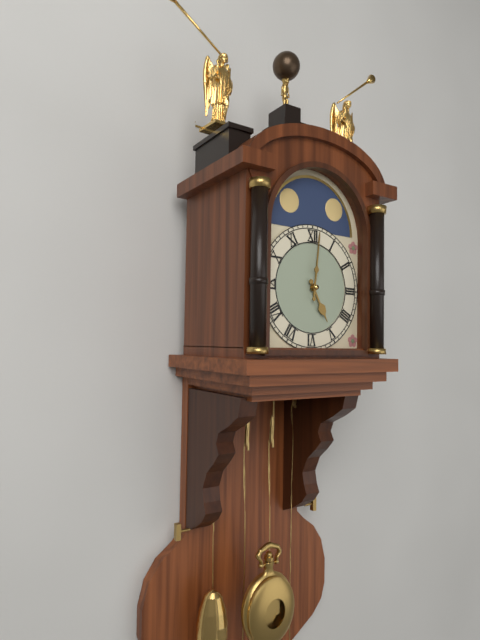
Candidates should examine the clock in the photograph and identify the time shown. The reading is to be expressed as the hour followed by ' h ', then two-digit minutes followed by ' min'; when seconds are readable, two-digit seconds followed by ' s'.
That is 5 h 01 min
